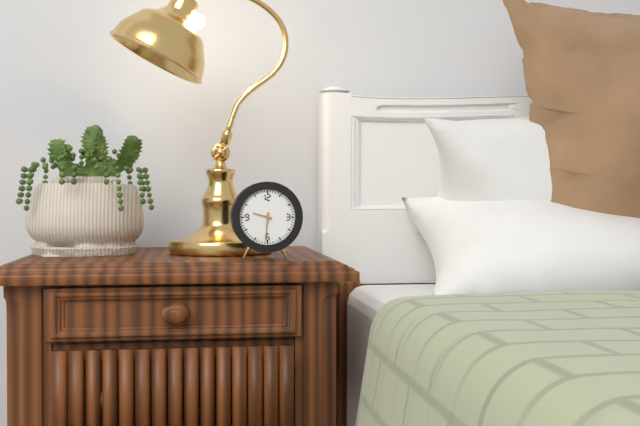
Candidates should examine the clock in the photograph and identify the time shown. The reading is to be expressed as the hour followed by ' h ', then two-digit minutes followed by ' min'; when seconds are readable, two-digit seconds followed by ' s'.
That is 9 h 31 min
